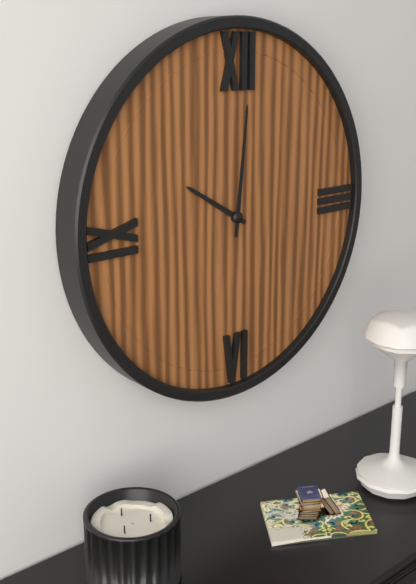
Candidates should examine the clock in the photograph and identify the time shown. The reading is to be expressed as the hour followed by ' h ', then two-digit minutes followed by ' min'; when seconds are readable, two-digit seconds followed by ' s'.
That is 10 h 01 min
